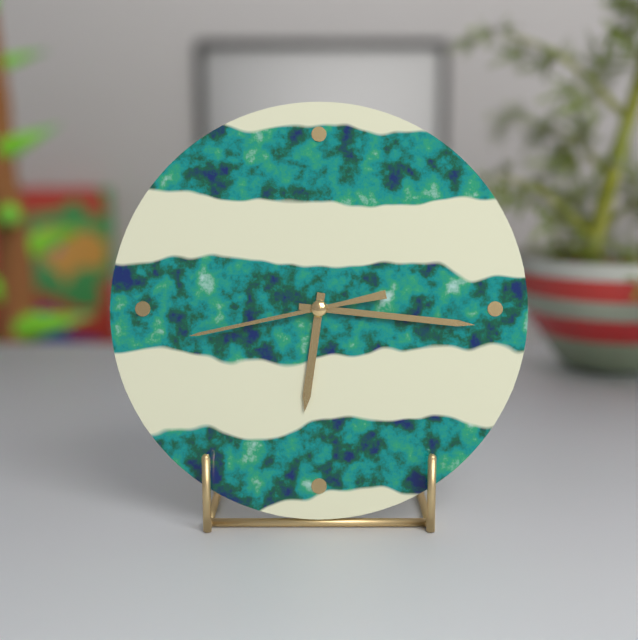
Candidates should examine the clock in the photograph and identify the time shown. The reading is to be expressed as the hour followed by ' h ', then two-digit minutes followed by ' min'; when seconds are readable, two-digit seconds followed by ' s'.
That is 6 h 16 min 43 s
